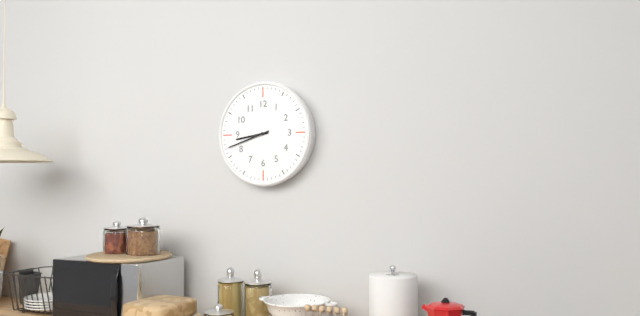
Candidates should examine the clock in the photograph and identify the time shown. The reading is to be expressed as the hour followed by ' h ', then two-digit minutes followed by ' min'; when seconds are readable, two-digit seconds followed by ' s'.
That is 8 h 42 min
